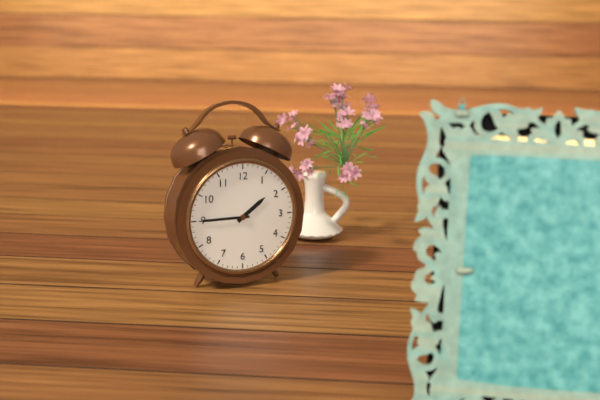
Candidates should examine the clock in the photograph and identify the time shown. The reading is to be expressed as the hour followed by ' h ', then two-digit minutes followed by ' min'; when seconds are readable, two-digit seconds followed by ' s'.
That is 1 h 45 min
